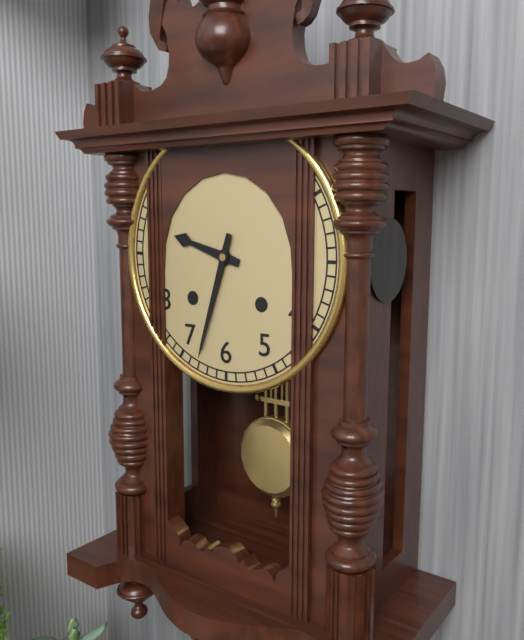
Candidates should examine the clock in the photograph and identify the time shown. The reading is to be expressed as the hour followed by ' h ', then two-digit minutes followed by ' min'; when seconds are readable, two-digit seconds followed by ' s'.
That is 9 h 33 min
